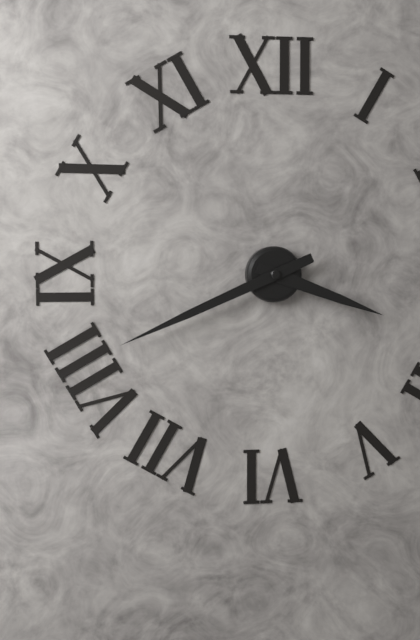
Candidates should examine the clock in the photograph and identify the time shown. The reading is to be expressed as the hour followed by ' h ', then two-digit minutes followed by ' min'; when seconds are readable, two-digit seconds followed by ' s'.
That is 3 h 41 min
